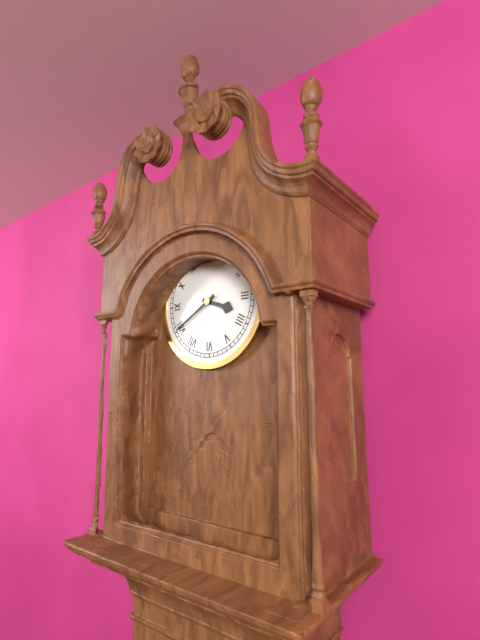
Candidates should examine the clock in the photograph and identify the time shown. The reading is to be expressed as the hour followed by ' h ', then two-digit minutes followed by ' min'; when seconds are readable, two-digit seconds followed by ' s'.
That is 3 h 40 min
